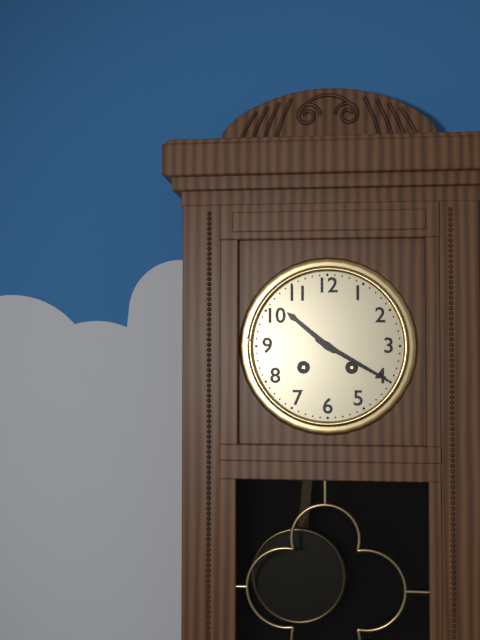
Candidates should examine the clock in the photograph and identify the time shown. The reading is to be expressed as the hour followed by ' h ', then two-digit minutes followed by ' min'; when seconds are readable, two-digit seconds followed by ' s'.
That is 10 h 20 min
